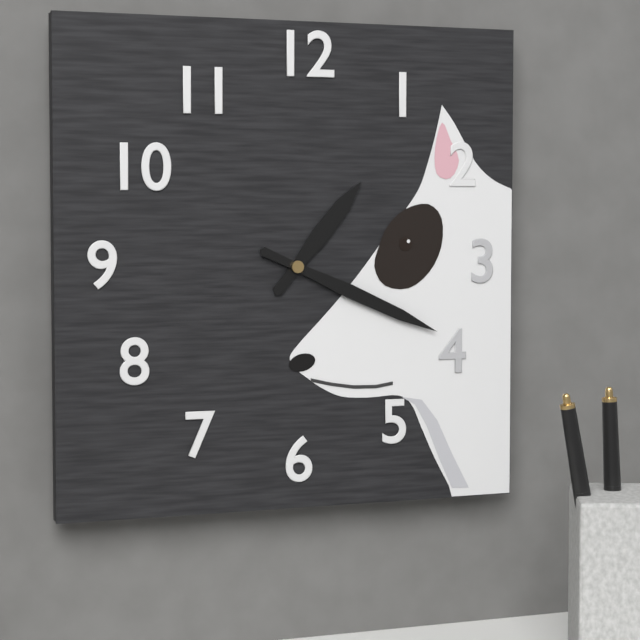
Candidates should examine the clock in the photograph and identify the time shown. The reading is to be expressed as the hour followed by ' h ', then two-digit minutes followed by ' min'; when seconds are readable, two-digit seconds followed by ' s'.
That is 1 h 19 min
